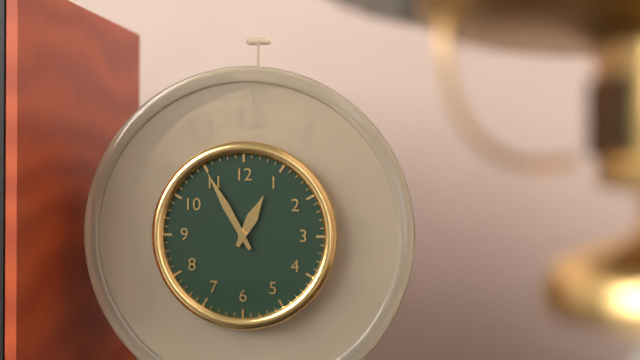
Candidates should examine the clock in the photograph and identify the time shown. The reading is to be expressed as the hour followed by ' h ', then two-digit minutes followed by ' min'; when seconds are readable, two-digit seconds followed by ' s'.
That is 12 h 55 min
